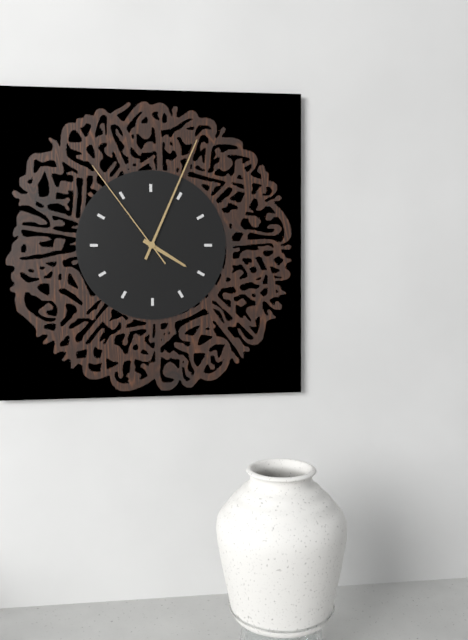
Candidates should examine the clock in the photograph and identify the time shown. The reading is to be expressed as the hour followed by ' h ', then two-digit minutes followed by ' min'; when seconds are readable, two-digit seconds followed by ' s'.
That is 4 h 04 min 54 s
